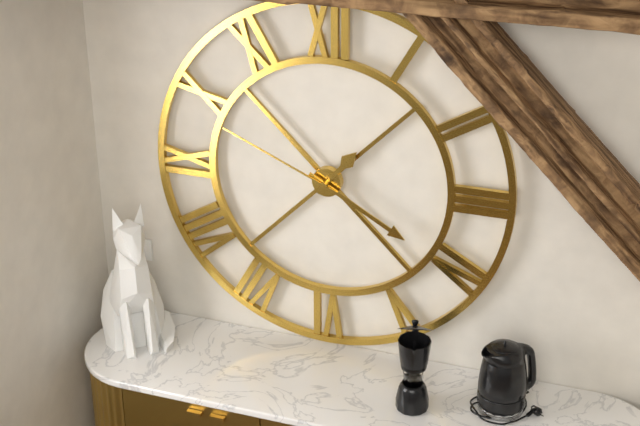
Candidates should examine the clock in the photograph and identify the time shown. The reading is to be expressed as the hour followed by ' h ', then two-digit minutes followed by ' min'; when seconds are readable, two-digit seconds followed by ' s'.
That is 1 h 20 min 49 s
